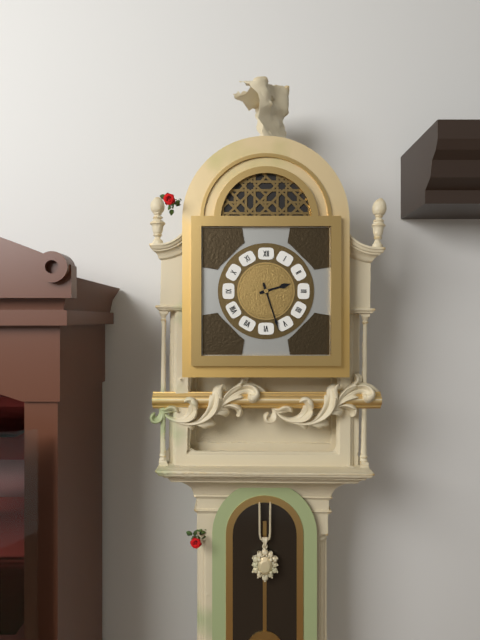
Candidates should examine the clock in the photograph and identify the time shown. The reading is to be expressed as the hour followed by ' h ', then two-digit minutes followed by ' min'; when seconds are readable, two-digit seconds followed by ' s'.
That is 2 h 27 min
